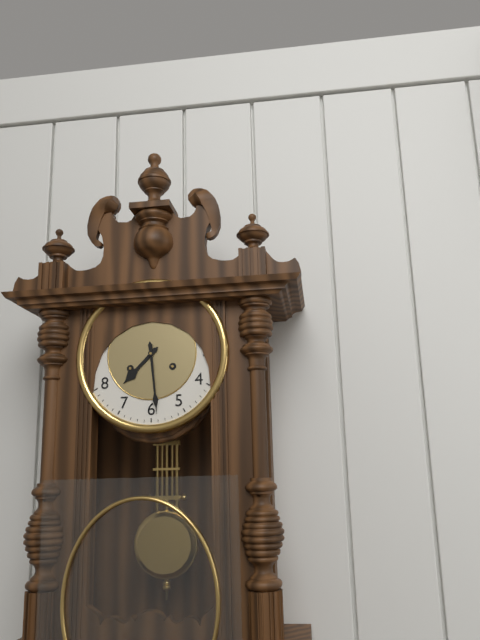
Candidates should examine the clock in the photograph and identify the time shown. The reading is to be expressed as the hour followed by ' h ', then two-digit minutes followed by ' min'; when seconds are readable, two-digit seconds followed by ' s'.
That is 7 h 29 min
